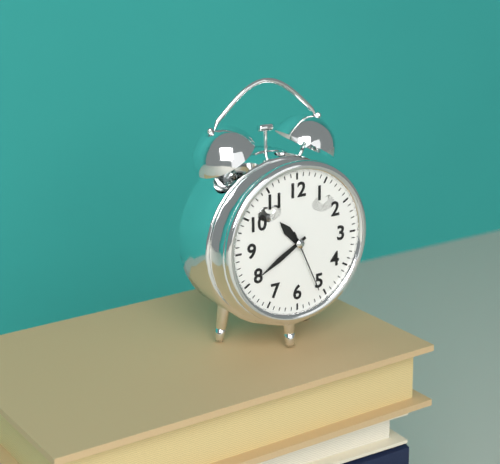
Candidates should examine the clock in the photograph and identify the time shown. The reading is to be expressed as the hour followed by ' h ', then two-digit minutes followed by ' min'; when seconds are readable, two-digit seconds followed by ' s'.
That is 10 h 40 min 26 s
